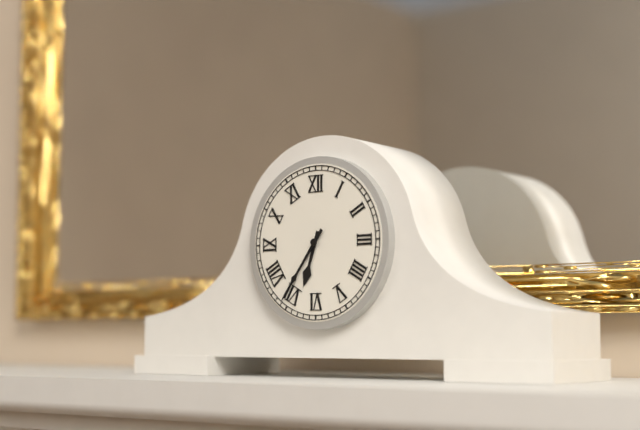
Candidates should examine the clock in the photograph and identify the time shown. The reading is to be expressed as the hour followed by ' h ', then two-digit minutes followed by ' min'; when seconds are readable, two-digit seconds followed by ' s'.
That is 6 h 36 min
